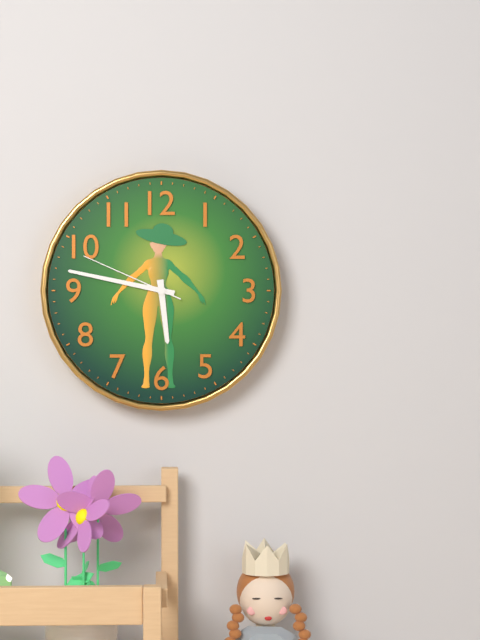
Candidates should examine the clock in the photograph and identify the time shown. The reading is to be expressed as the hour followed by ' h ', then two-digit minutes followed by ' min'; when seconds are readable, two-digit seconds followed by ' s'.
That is 5 h 47 min 49 s
